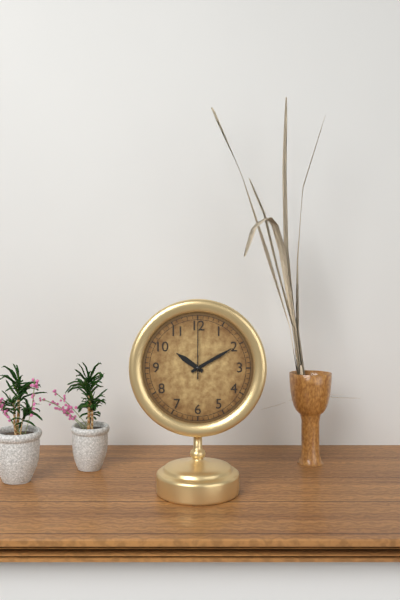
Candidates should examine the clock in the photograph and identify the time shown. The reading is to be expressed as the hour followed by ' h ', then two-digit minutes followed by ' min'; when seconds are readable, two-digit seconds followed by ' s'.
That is 10 h 10 min 00 s
